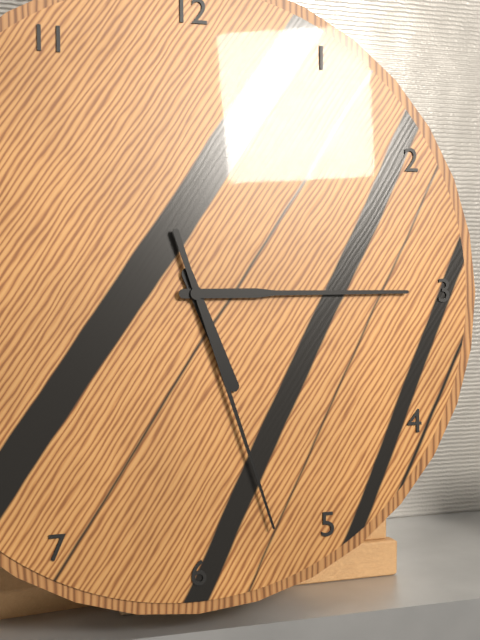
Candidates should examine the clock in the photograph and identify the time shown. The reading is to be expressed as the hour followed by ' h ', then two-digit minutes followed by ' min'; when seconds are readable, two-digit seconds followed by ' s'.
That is 5 h 15 min 27 s
